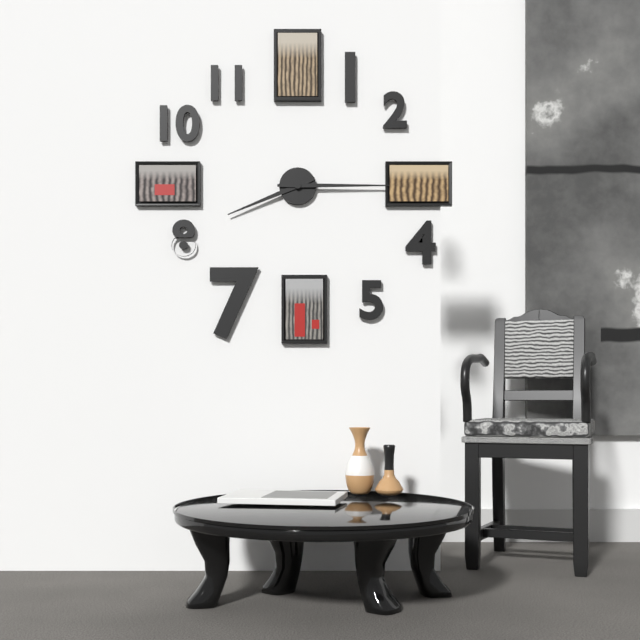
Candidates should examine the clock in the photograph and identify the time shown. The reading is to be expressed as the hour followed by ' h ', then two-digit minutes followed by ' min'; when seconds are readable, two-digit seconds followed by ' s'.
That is 8 h 15 min
